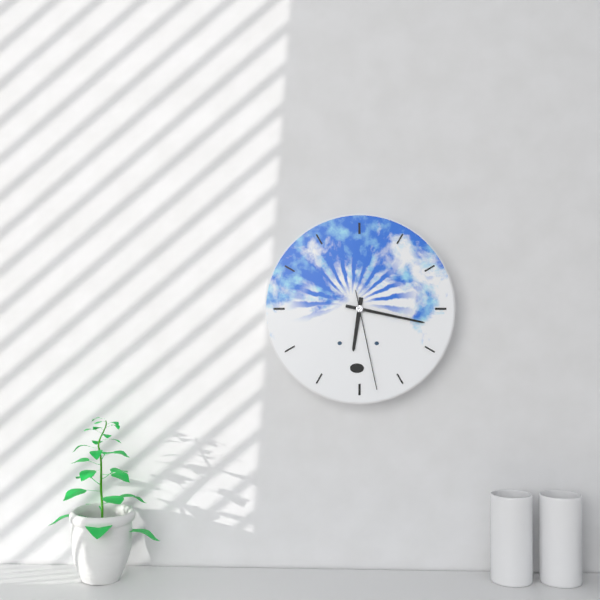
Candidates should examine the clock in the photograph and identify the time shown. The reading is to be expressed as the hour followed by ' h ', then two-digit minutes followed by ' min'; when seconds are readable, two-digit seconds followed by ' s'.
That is 6 h 17 min 28 s
